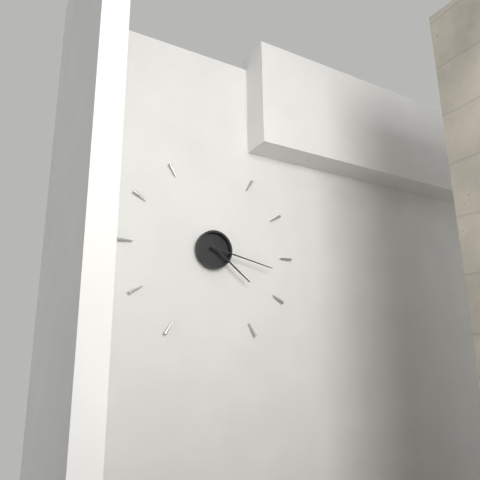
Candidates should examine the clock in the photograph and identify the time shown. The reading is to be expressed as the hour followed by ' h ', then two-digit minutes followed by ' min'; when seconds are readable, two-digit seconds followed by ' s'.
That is 4 h 17 min
